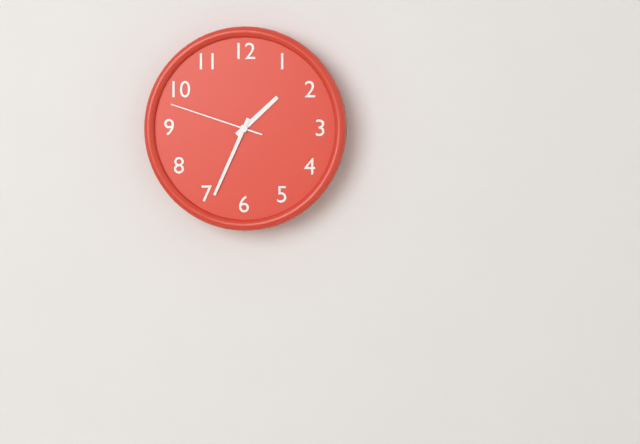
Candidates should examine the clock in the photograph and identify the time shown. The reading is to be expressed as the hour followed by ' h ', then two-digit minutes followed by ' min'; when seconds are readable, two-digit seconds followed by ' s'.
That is 1 h 34 min 48 s
